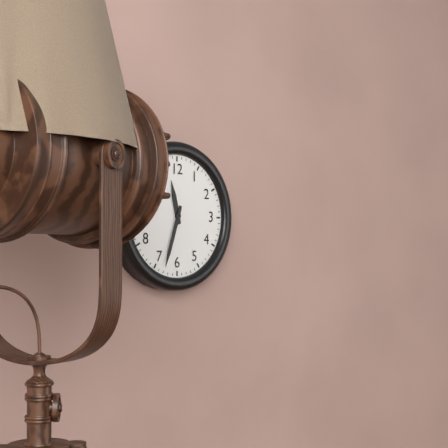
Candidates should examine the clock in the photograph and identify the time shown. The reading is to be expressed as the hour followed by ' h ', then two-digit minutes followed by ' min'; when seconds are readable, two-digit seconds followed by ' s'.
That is 11 h 33 min
